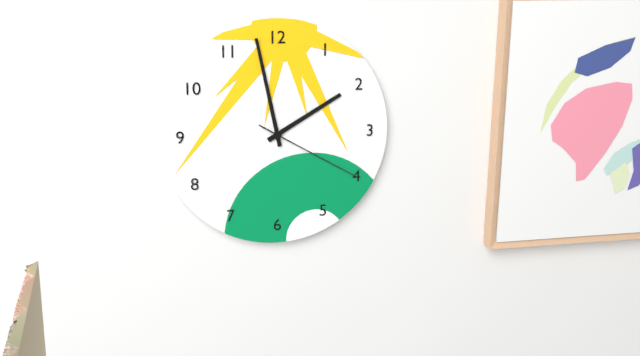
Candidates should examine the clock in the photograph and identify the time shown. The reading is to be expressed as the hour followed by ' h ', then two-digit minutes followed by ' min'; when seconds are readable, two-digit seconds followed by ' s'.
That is 1 h 58 min 20 s
